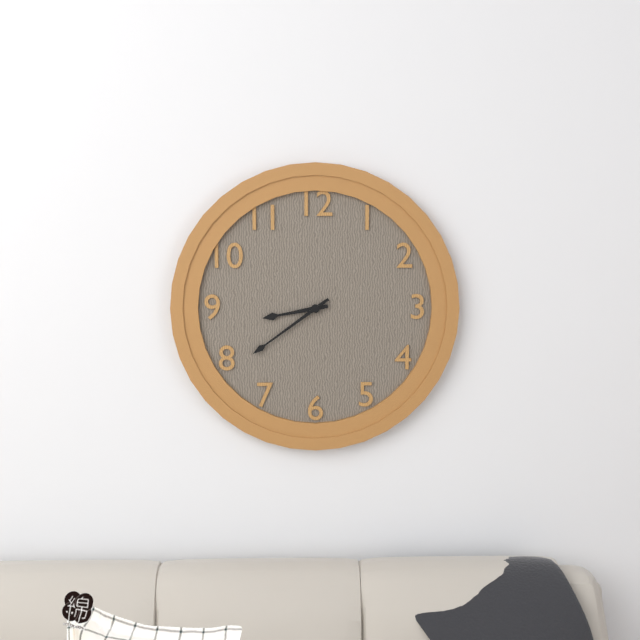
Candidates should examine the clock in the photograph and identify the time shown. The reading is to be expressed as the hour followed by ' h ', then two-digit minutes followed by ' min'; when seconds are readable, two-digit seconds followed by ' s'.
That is 8 h 39 min
